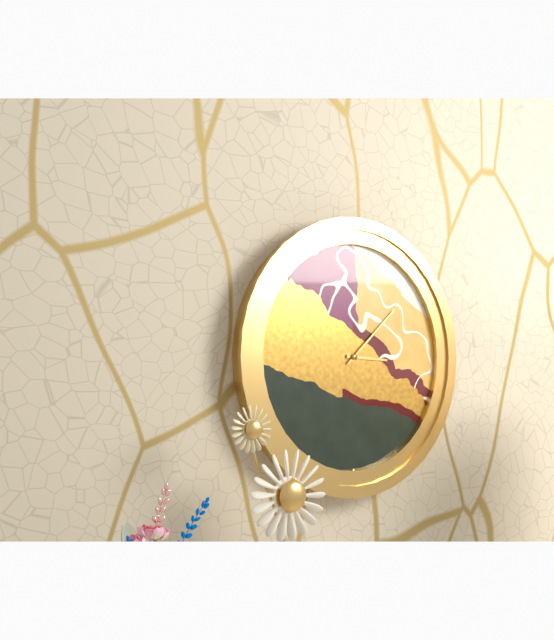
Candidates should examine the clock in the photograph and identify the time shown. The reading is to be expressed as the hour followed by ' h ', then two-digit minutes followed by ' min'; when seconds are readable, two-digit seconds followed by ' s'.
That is 3 h 08 min
